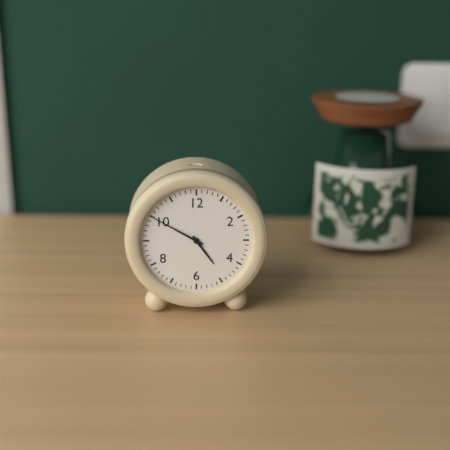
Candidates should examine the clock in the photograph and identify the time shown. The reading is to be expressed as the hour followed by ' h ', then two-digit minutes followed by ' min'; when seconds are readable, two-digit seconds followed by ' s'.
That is 4 h 50 min
